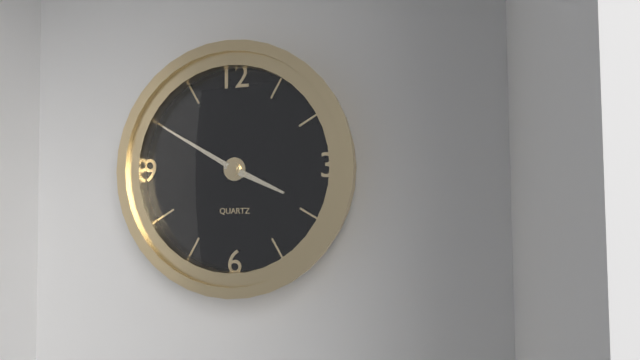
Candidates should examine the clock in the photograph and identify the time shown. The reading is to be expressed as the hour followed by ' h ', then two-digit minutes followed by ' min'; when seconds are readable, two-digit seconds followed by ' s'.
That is 3 h 50 min
